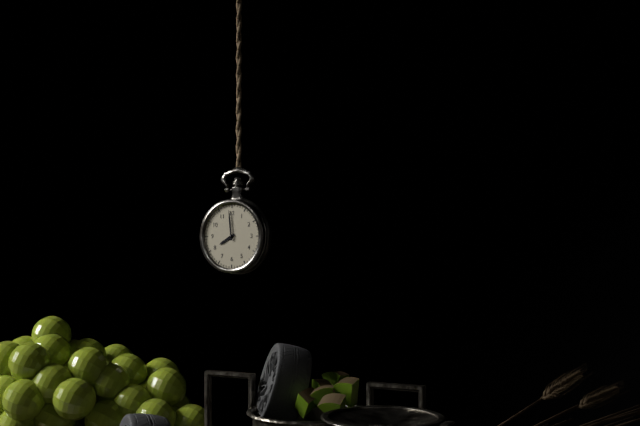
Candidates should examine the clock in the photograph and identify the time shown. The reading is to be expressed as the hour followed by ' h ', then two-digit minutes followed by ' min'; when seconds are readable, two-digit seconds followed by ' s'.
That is 7 h 59 min
